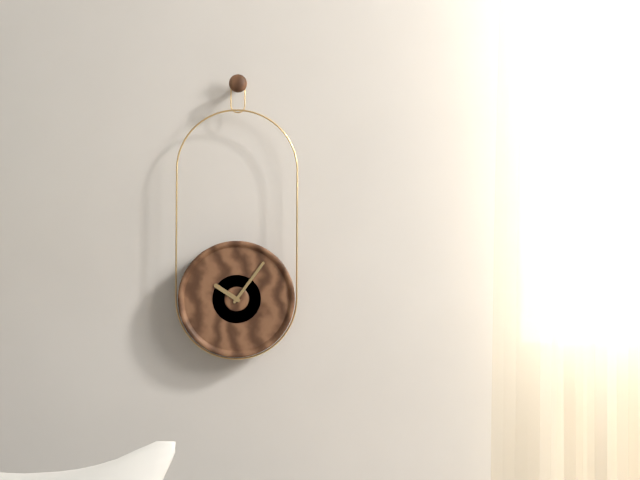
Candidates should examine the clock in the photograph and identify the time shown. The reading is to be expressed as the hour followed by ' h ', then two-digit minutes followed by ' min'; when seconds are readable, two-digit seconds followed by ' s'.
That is 10 h 06 min
